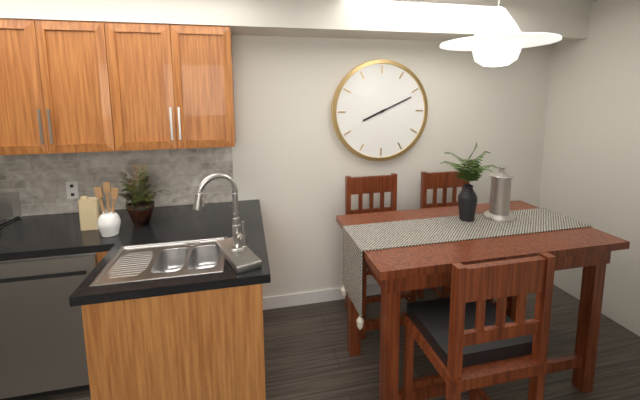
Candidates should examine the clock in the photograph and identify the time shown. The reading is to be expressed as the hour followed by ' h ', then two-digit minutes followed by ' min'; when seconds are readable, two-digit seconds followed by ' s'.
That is 8 h 11 min
